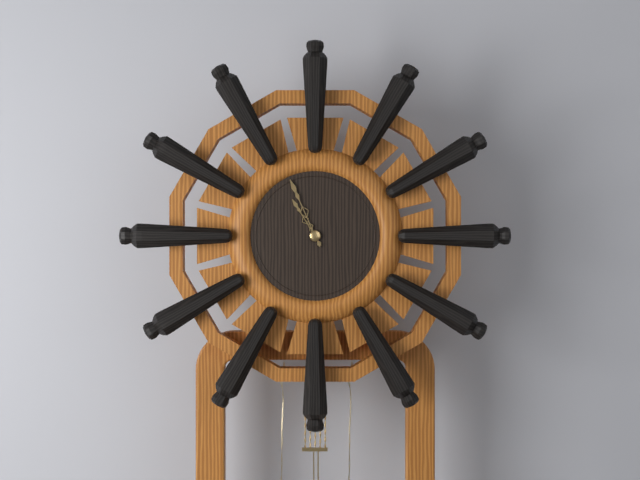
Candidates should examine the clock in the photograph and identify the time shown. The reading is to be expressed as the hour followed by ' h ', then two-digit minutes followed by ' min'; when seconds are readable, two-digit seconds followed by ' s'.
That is 10 h 56 min
